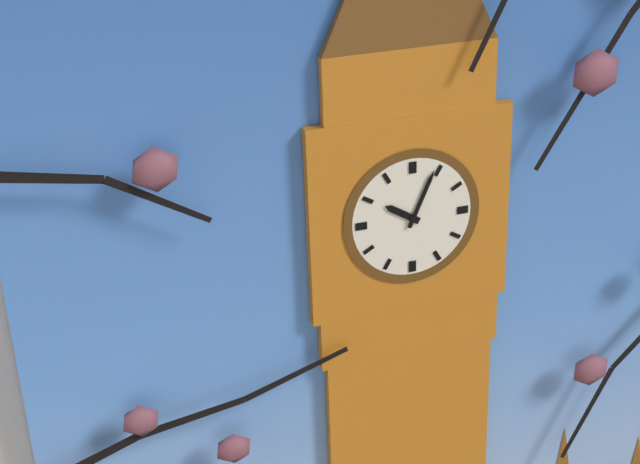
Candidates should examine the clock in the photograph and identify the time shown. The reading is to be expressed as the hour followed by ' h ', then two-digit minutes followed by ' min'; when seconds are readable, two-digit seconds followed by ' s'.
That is 10 h 04 min
